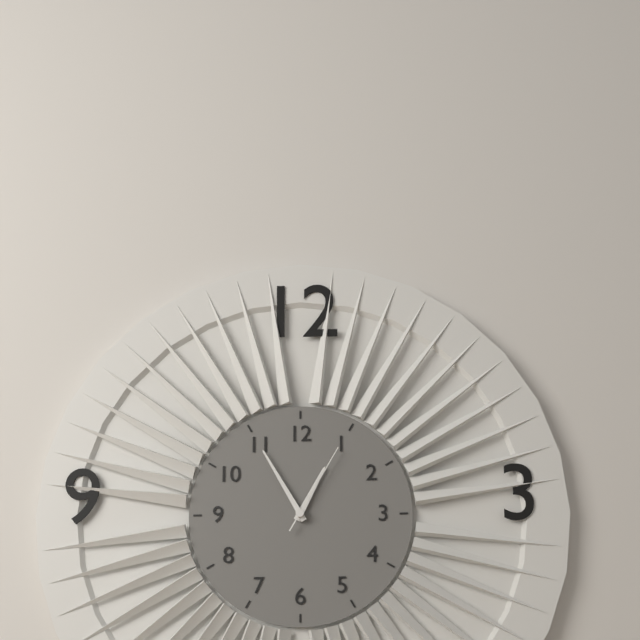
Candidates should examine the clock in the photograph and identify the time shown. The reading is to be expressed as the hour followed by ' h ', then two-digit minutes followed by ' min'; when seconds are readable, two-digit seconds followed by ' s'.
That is 12 h 55 min 05 s
